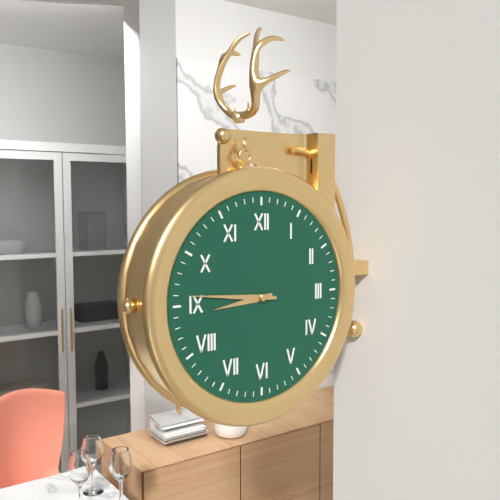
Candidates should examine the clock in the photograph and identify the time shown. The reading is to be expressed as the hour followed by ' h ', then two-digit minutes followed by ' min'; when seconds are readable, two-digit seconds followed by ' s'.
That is 8 h 46 min
